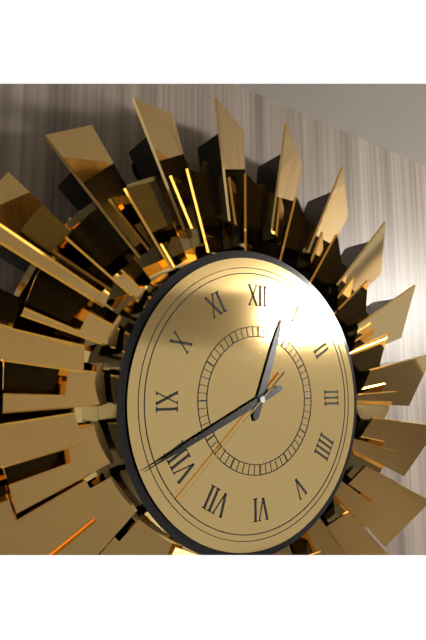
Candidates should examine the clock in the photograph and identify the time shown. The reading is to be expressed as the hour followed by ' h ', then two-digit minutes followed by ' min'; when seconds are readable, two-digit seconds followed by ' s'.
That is 12 h 41 min 38 s
